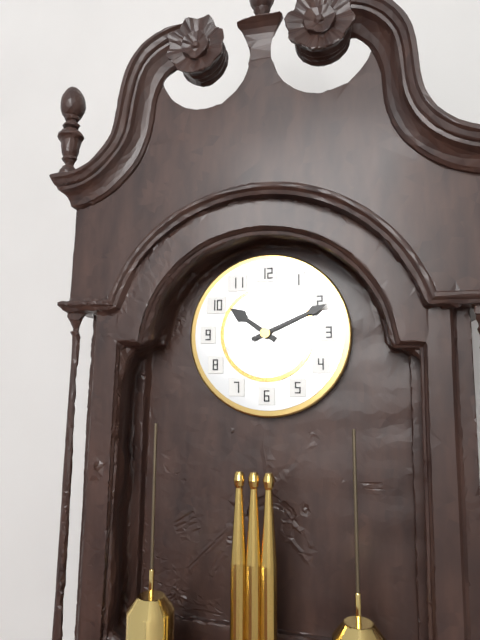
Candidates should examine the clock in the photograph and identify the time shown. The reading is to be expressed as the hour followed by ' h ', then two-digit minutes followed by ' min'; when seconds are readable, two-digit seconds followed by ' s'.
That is 10 h 11 min
